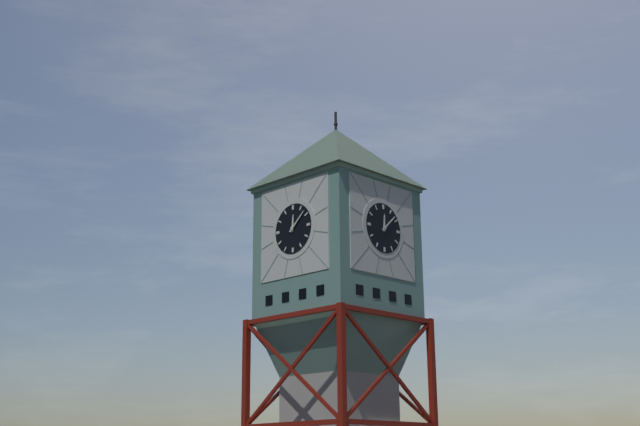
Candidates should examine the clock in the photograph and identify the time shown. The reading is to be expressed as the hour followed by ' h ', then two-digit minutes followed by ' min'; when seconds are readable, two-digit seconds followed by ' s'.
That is 12 h 08 min
